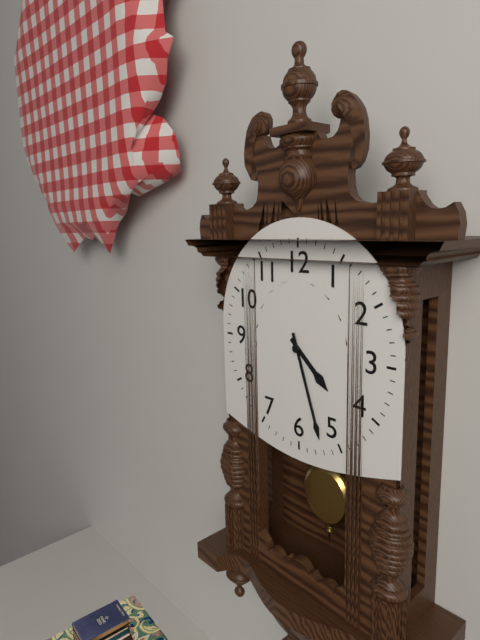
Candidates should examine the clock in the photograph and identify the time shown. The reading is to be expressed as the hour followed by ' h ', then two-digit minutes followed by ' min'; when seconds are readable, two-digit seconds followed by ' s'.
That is 4 h 27 min
